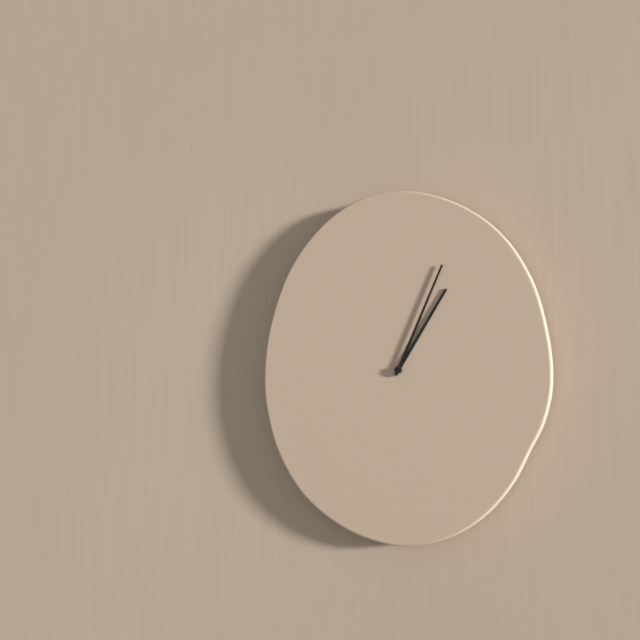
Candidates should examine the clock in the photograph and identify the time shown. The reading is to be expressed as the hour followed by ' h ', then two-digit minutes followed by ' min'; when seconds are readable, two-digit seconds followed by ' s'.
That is 1 h 04 min
